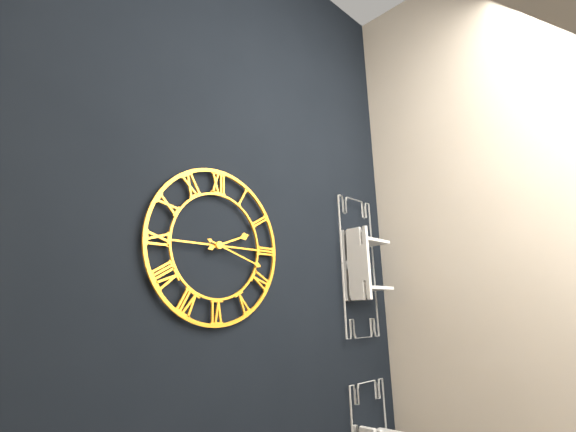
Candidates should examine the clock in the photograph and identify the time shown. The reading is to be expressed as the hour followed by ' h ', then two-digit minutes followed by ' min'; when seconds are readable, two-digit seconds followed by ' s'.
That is 2 h 18 min
